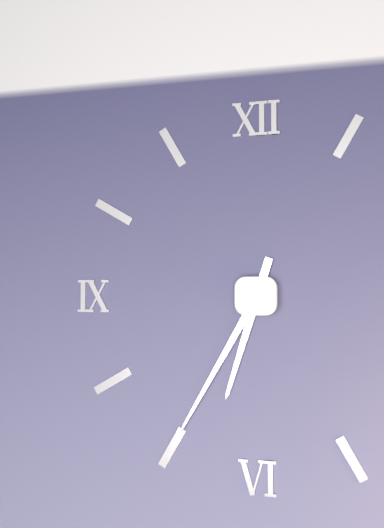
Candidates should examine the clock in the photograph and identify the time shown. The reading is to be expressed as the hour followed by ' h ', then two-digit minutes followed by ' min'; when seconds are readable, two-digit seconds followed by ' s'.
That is 6 h 35 min
